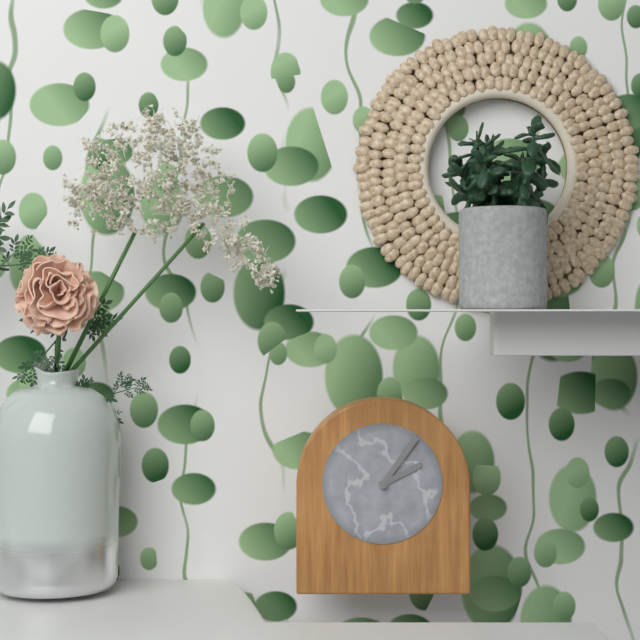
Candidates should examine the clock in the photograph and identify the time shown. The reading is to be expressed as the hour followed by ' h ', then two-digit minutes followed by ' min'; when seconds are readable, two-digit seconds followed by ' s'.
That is 2 h 06 min
